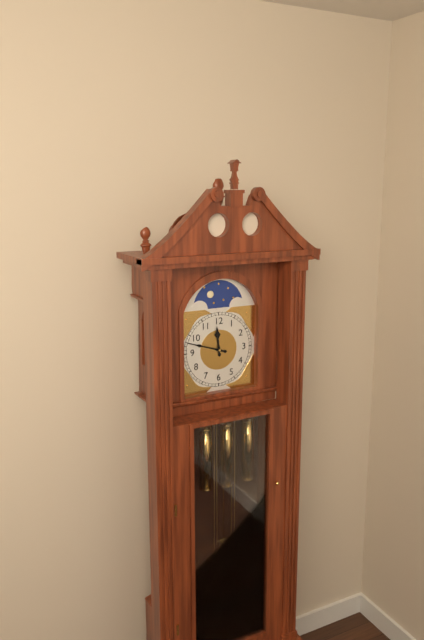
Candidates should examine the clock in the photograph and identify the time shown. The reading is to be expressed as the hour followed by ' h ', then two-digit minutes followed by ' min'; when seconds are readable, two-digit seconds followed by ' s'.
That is 11 h 48 min
